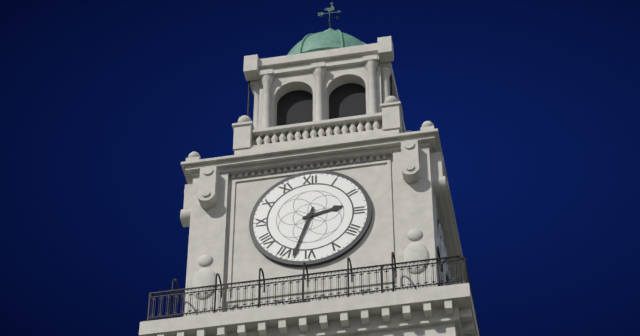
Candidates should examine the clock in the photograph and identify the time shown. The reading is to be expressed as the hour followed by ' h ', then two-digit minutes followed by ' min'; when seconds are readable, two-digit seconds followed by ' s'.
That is 2 h 33 min
